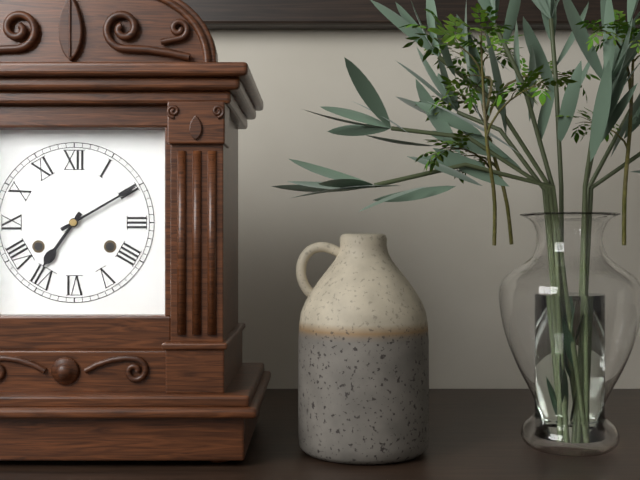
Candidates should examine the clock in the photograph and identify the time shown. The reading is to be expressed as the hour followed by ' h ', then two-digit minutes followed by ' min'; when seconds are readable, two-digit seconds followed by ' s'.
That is 7 h 10 min
